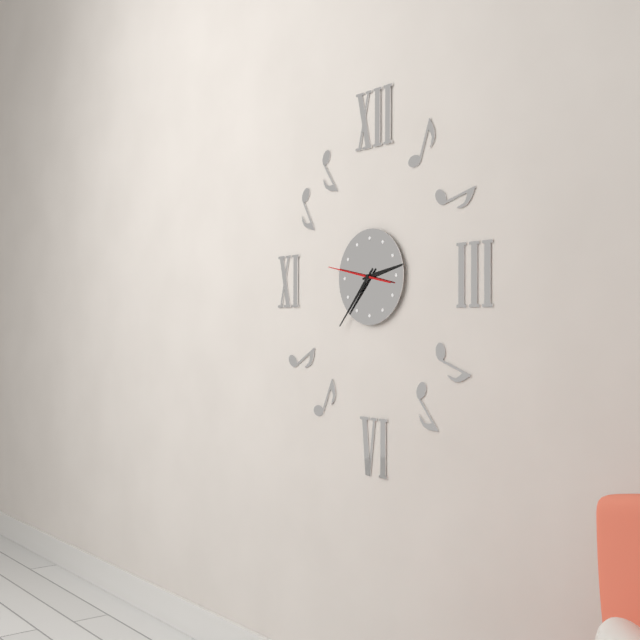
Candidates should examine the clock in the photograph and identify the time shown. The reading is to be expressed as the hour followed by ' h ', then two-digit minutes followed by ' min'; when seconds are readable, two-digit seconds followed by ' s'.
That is 2 h 37 min 47 s
